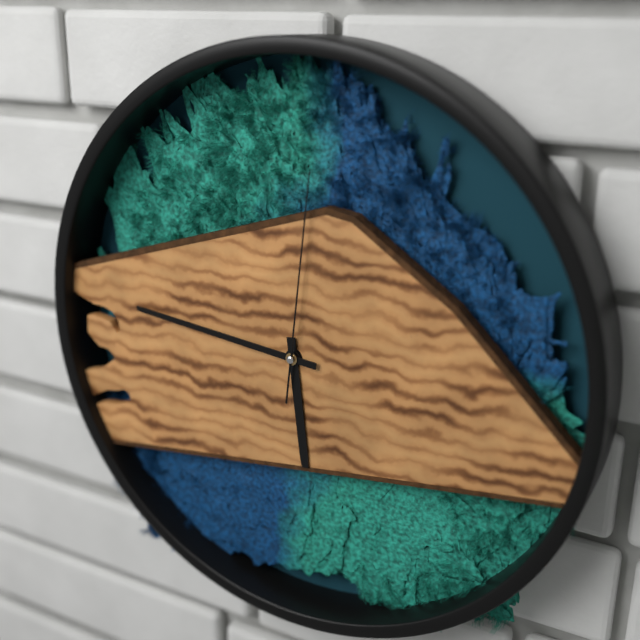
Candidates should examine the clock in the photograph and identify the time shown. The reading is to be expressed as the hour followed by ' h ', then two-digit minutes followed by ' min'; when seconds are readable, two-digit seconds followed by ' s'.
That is 5 h 46 min 01 s
